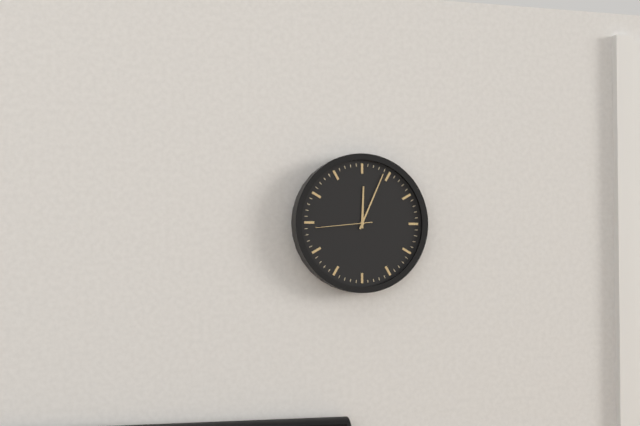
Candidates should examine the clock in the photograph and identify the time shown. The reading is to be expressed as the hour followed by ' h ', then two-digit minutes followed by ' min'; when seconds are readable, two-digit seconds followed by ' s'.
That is 12 h 04 min 44 s
